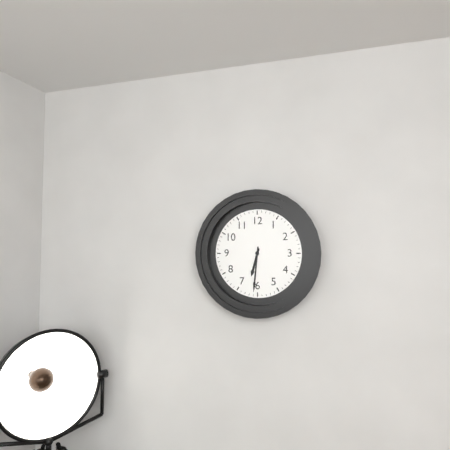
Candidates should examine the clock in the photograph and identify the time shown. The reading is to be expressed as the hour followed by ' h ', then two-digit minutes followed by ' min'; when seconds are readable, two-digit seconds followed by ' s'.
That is 6 h 31 min
